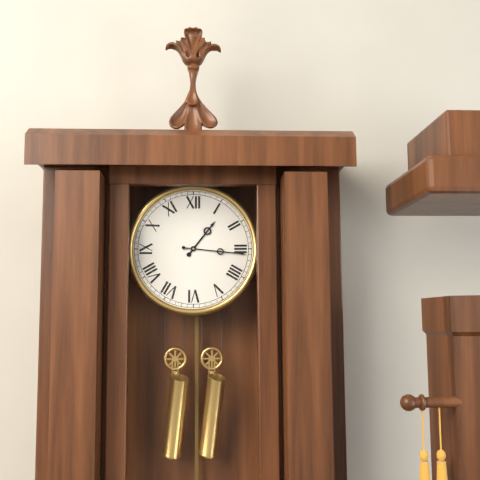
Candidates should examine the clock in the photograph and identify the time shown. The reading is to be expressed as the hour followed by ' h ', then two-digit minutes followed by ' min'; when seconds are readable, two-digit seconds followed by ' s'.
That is 1 h 16 min
